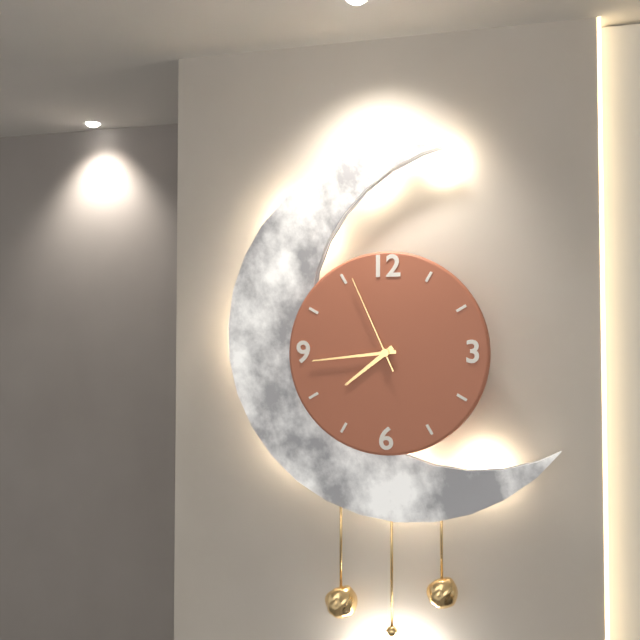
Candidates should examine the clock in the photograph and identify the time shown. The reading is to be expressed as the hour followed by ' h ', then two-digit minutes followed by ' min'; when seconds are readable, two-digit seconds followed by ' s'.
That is 7 h 44 min 56 s
